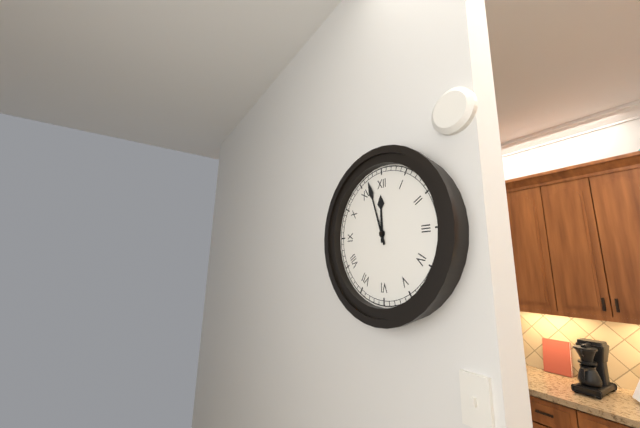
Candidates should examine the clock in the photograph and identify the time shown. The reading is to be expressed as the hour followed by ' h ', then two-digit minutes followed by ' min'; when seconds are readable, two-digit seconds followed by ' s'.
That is 11 h 57 min
